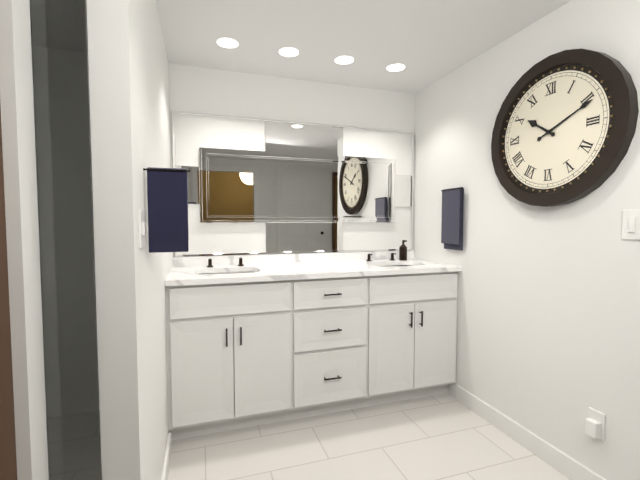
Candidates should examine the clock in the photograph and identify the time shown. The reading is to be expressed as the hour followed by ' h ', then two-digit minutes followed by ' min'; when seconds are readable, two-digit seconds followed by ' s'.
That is 10 h 11 min
